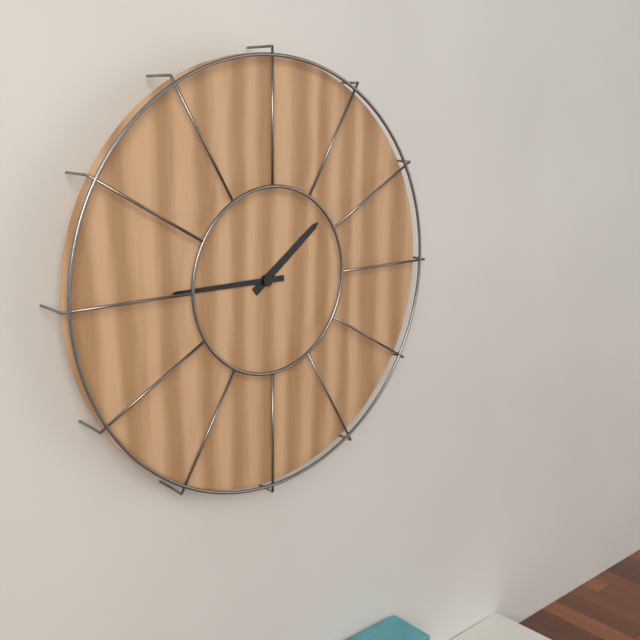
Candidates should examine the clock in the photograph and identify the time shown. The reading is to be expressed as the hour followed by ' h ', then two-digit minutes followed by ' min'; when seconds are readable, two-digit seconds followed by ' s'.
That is 1 h 45 min
